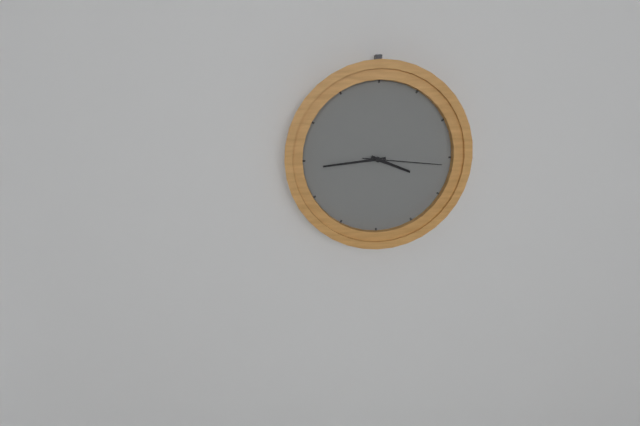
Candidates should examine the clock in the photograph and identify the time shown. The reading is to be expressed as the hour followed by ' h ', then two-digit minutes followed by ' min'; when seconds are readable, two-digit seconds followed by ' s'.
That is 3 h 44 min 16 s
